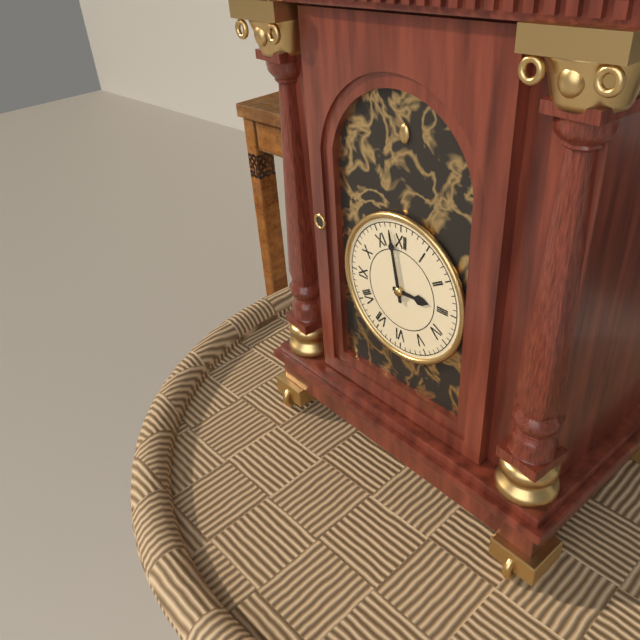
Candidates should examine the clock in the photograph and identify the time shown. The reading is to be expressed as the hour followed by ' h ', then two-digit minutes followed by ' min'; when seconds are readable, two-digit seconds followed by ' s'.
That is 2 h 58 min
